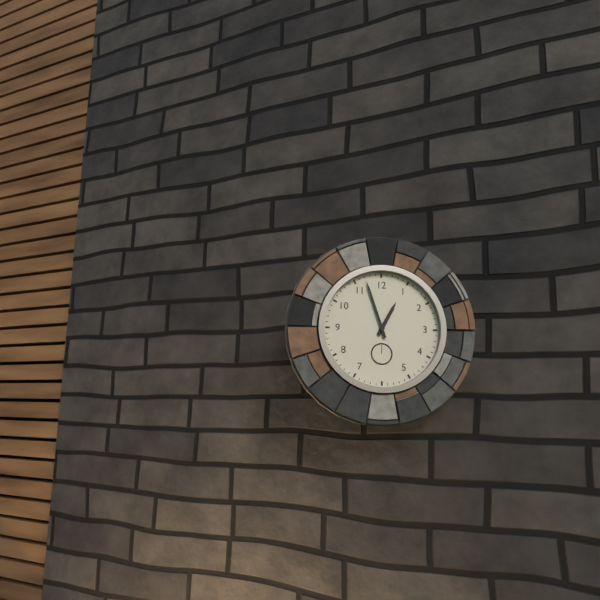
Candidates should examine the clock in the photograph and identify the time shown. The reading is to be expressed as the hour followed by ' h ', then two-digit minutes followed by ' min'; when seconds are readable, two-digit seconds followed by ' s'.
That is 12 h 57 min
